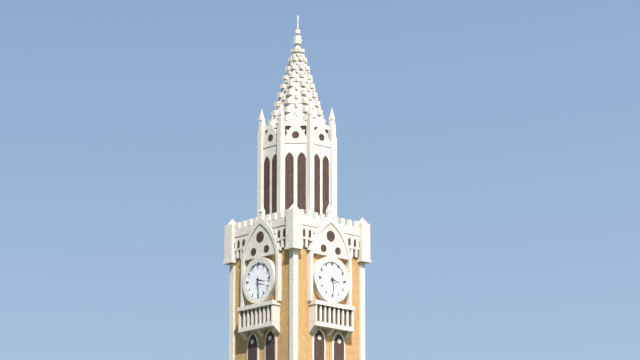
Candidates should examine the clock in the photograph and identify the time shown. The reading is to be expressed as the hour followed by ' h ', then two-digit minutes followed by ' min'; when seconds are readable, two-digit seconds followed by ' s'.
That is 3 h 29 min
